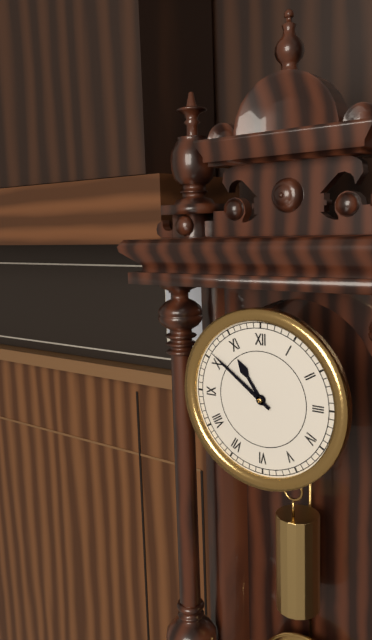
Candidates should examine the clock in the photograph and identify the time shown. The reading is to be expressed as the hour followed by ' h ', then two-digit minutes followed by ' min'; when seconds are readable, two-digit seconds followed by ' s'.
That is 10 h 51 min
